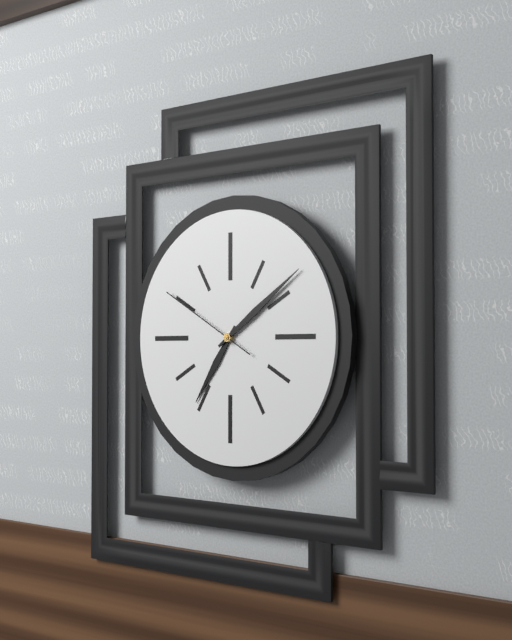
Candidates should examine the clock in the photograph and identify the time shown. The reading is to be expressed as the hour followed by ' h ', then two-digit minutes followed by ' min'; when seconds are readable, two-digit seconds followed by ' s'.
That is 7 h 09 min 50 s
